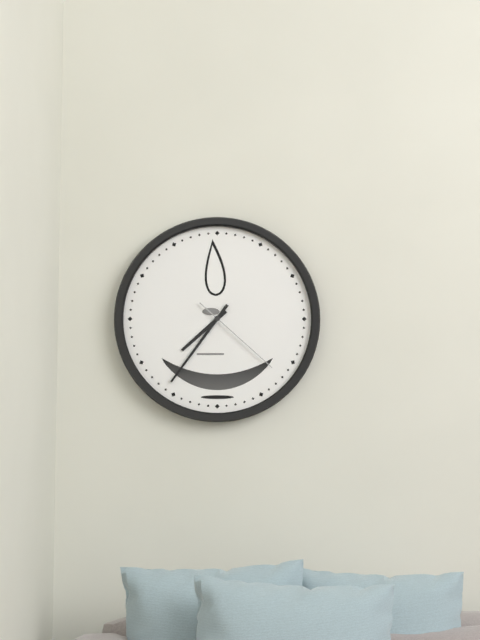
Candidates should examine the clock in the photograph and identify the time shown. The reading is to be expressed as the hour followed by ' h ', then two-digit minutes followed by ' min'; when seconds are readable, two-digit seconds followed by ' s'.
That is 7 h 36 min 22 s
